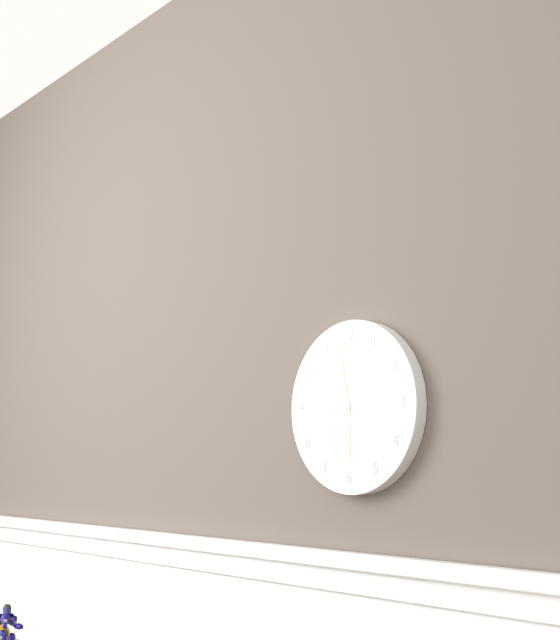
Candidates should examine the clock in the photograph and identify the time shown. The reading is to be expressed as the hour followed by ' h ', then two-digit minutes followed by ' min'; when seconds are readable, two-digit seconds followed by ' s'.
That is 5 h 58 min
